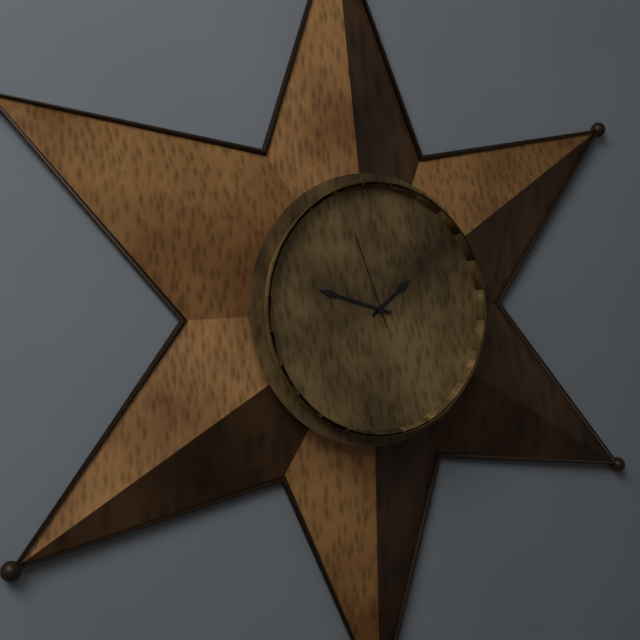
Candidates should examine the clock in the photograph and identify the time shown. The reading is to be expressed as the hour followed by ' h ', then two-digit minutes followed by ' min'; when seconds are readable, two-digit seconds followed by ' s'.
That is 1 h 48 min 57 s
